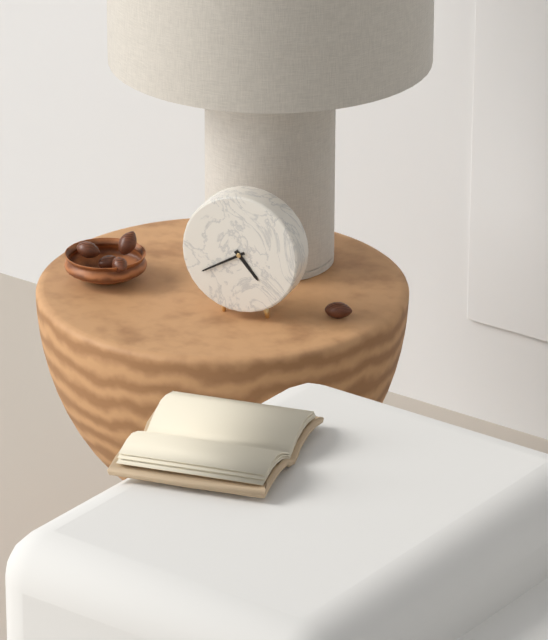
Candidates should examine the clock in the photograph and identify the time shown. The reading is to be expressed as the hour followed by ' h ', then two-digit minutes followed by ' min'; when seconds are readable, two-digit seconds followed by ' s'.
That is 4 h 40 min
